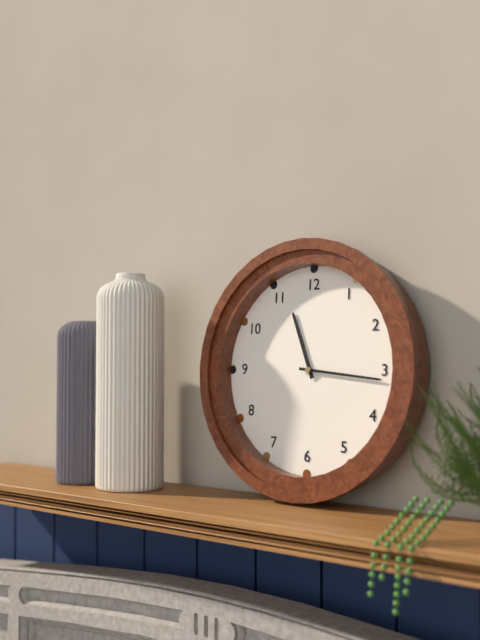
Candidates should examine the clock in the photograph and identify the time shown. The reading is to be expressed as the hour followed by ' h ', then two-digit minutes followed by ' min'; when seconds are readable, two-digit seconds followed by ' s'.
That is 11 h 16 min
